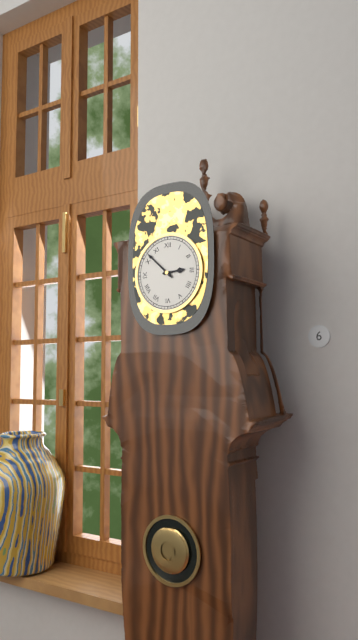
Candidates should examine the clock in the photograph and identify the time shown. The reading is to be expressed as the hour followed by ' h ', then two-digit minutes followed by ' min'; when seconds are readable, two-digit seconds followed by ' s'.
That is 2 h 52 min
